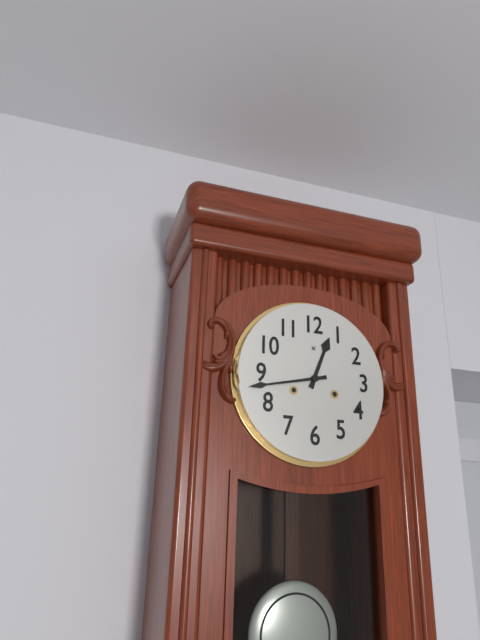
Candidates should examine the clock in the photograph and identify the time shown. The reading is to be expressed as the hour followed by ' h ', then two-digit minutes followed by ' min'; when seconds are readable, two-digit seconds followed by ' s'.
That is 12 h 43 min
